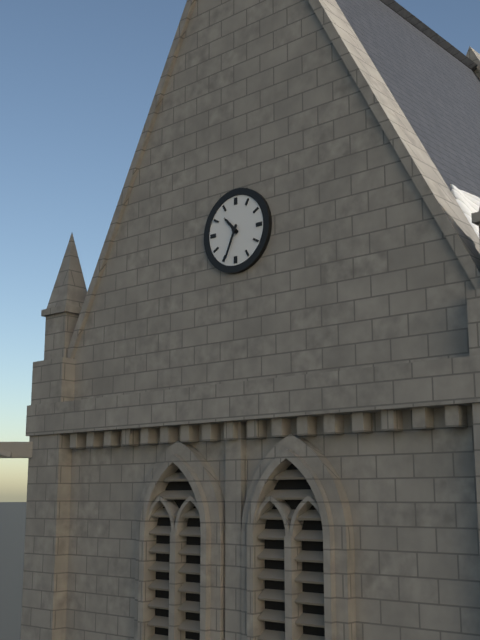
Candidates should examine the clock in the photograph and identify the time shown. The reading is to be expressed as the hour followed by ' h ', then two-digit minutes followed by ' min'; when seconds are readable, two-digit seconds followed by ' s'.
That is 10 h 34 min
